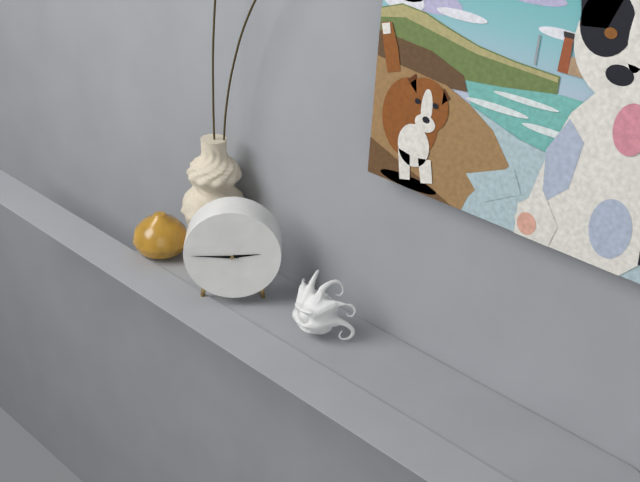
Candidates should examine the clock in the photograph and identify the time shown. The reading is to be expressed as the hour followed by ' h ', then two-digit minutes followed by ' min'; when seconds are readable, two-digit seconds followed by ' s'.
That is 2 h 45 min
